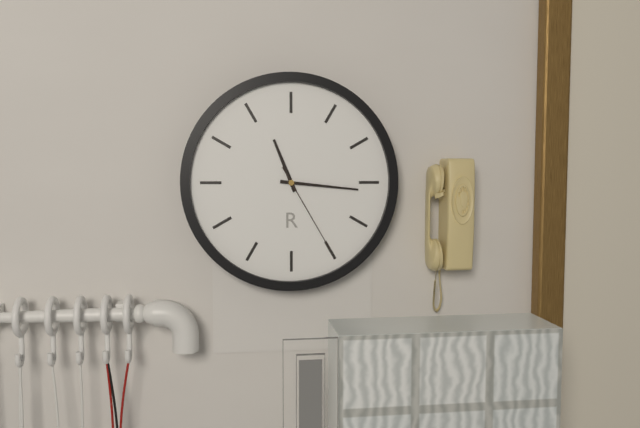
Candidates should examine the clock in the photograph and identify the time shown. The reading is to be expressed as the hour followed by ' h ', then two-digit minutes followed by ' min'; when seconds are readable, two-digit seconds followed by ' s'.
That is 11 h 16 min 25 s
